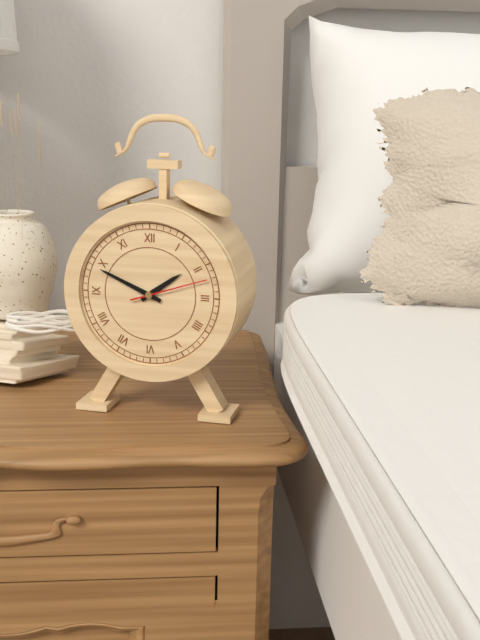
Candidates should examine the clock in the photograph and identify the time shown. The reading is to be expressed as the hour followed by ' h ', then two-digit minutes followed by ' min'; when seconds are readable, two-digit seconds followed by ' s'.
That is 1 h 49 min 12 s
